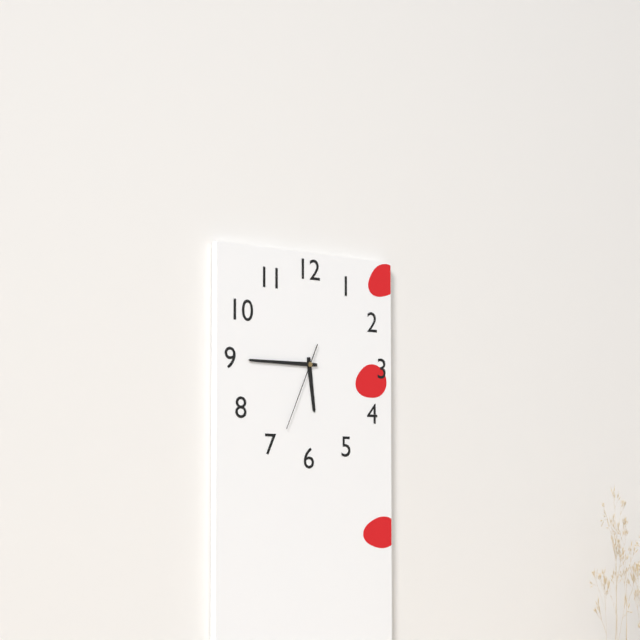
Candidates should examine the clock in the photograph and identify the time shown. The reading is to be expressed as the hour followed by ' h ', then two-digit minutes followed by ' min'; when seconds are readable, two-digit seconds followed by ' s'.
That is 5 h 45 min 34 s
